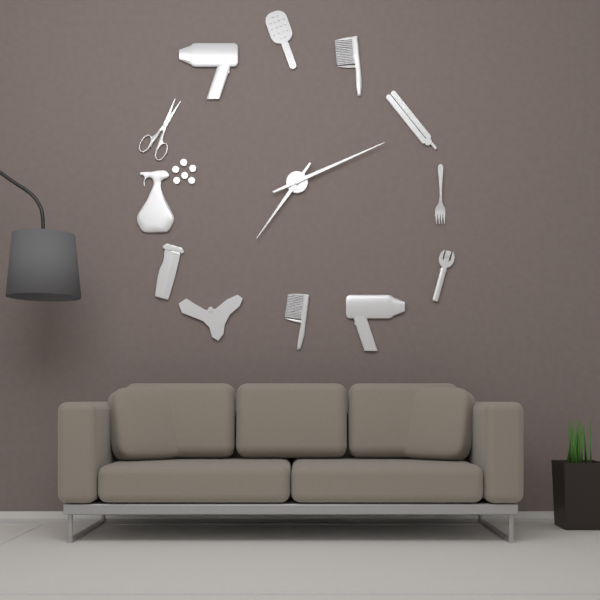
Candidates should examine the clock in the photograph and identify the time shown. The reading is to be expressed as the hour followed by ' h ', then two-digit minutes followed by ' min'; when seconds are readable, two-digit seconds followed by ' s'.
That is 7 h 11 min
